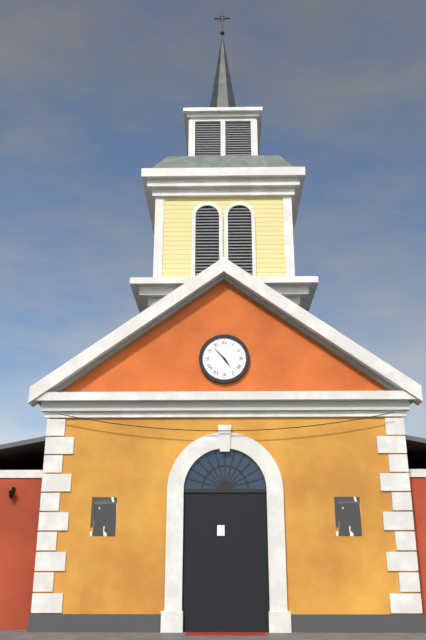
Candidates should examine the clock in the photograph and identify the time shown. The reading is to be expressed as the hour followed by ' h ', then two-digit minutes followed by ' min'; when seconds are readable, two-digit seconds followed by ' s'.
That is 4 h 53 min
